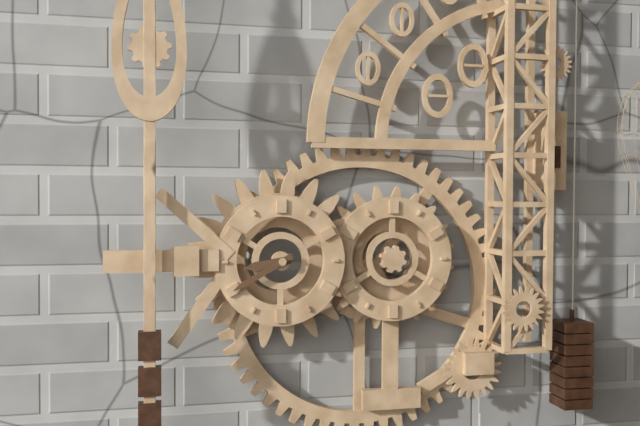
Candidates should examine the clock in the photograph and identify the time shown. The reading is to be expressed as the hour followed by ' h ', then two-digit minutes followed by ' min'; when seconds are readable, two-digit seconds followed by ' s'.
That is 8 h 40 min
